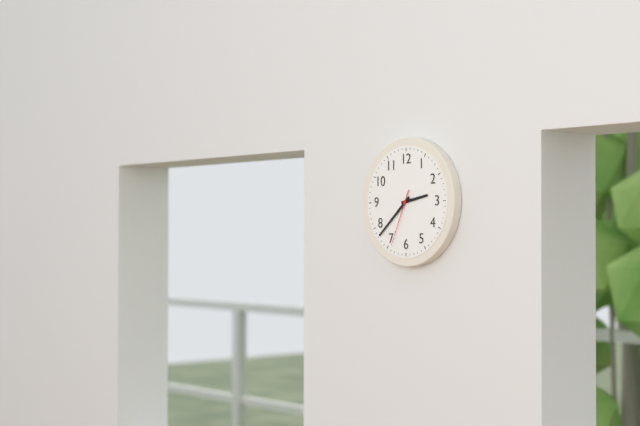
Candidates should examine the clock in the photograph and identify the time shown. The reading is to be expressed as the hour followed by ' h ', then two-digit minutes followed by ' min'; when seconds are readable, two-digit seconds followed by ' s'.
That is 2 h 38 min 34 s
